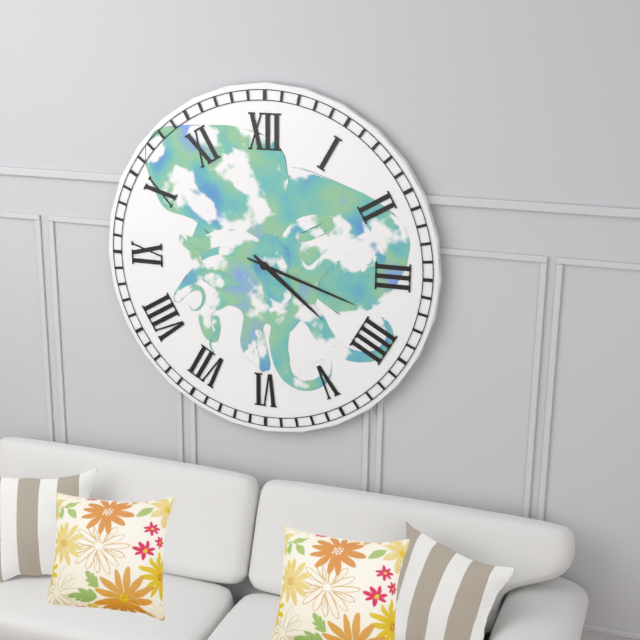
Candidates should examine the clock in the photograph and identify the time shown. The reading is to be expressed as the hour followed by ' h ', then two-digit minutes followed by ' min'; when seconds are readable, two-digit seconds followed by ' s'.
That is 4 h 18 min
